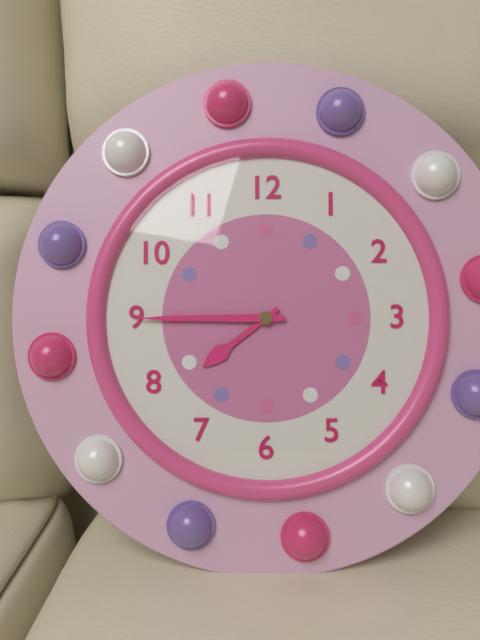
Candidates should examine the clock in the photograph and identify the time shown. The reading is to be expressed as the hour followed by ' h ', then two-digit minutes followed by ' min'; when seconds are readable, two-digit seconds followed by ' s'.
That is 7 h 45 min
